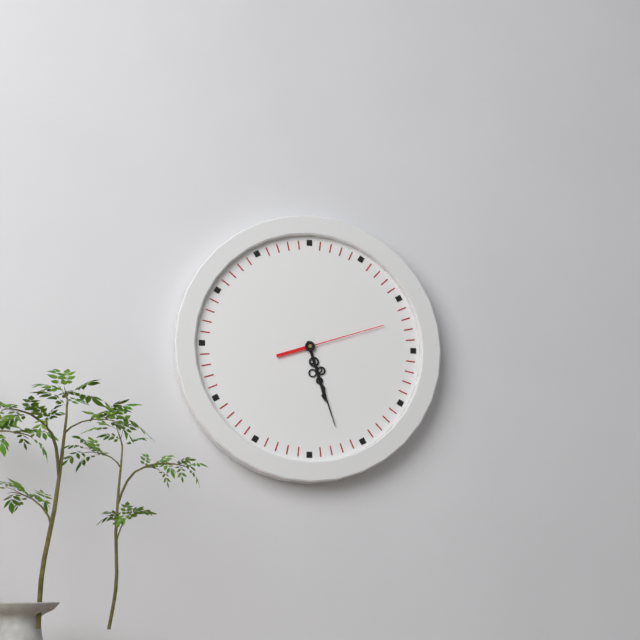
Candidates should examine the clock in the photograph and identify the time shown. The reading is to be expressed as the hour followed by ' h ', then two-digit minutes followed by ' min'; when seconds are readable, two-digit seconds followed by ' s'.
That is 5 h 27 min 12 s
